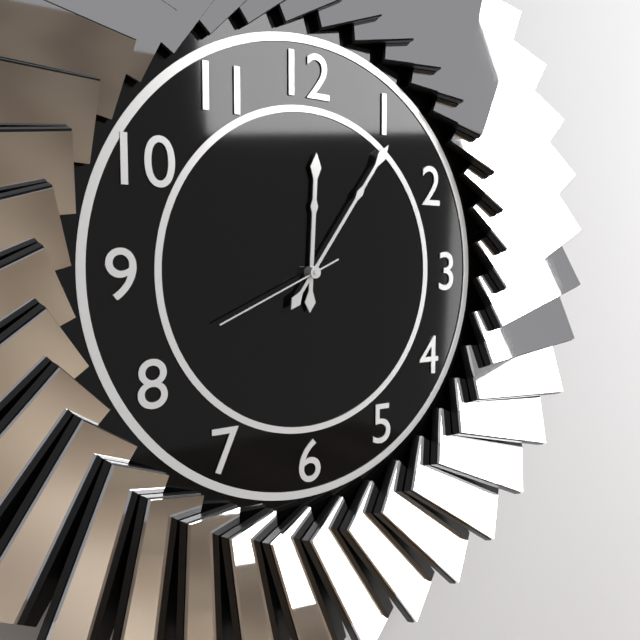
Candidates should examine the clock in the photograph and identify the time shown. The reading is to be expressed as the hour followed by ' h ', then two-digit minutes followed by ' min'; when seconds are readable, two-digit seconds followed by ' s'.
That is 12 h 06 min 41 s
